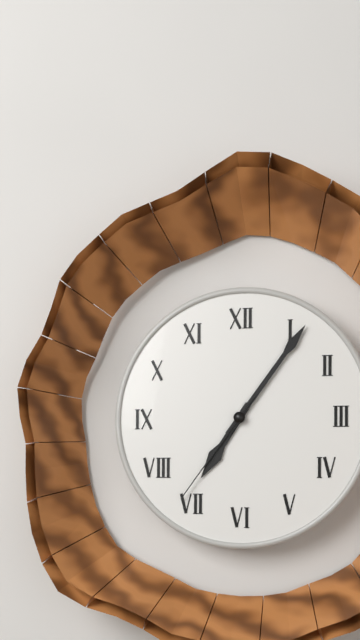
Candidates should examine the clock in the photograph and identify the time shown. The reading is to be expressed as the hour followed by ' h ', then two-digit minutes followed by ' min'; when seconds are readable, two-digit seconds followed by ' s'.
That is 7 h 06 min 36 s
